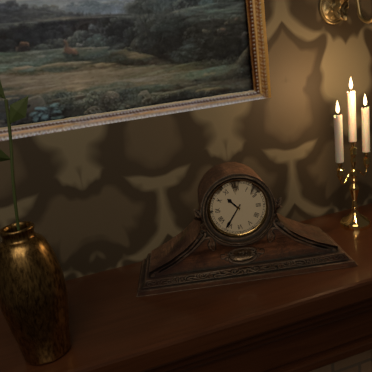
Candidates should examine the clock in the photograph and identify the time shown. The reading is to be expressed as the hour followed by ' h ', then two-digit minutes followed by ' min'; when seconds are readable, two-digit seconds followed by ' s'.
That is 10 h 36 min
